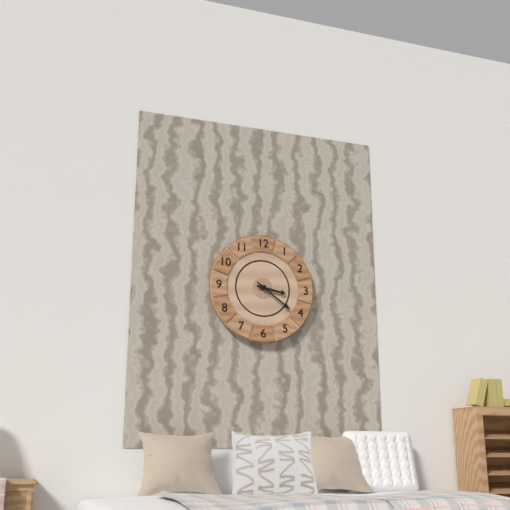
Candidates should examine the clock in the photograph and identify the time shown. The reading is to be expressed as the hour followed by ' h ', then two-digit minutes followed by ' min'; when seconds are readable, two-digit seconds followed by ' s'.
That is 3 h 21 min
